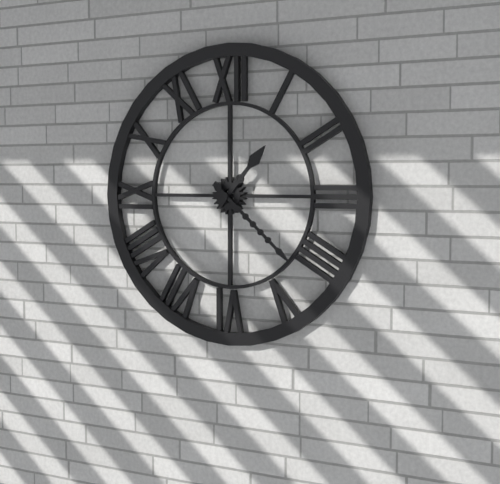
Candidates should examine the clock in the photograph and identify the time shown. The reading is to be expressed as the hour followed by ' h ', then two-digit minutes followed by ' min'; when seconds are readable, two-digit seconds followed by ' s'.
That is 1 h 22 min
